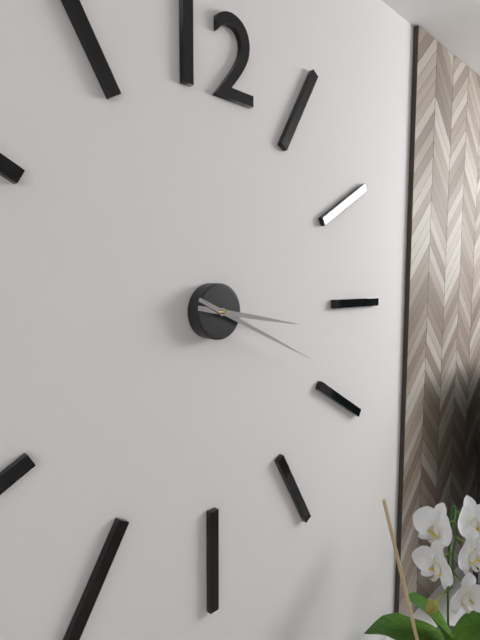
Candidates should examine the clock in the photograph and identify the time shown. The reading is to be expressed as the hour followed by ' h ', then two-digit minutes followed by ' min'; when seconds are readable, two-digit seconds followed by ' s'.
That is 3 h 19 min
